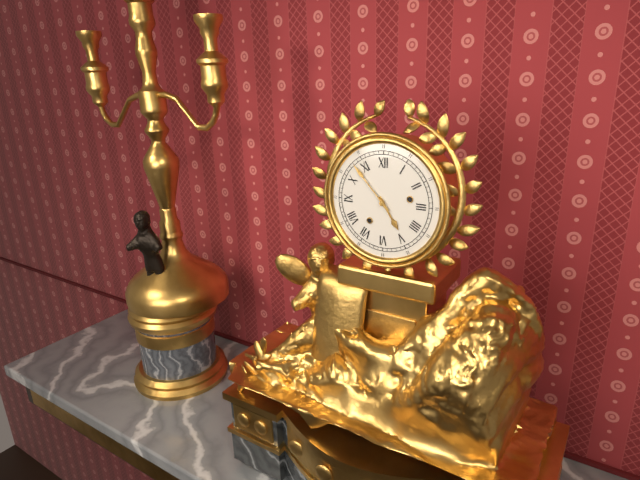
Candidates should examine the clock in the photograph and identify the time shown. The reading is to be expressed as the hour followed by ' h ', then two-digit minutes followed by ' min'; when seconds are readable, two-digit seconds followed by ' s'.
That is 4 h 53 min
